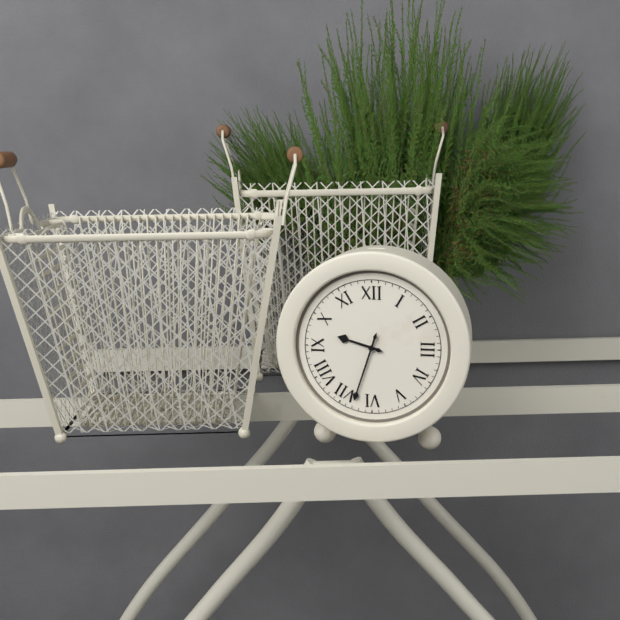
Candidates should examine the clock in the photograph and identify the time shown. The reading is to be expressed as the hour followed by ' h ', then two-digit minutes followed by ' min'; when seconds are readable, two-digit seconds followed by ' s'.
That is 9 h 33 min
